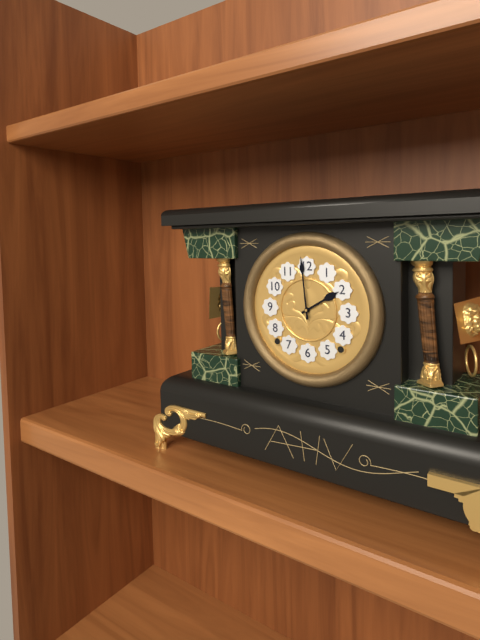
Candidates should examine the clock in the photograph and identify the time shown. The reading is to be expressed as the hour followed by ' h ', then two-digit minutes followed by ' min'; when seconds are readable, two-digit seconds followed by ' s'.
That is 1 h 59 min
